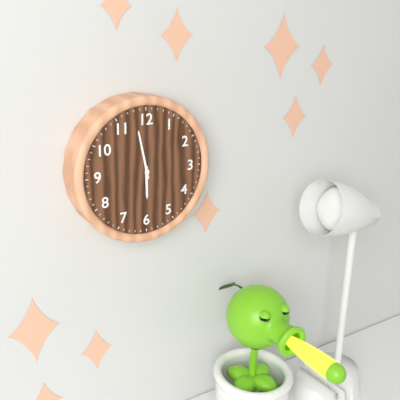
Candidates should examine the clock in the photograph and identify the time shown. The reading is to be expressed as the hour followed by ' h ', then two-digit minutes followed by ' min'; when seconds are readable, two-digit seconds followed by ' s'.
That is 5 h 58 min
